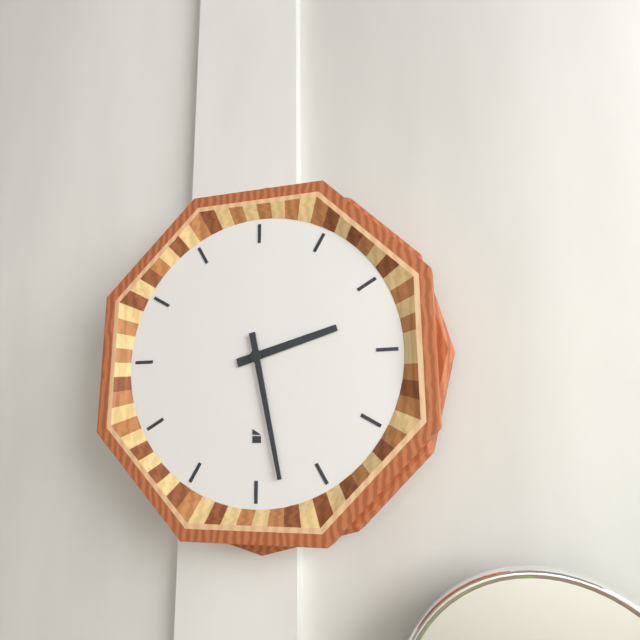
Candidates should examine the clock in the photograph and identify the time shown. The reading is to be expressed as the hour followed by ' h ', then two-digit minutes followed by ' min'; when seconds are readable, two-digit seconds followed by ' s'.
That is 2 h 28 min
